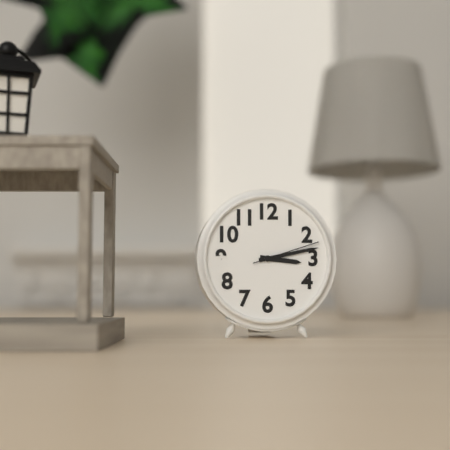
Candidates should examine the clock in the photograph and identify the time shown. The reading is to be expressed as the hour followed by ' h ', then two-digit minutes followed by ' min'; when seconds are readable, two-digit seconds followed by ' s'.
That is 3 h 13 min 12 s
